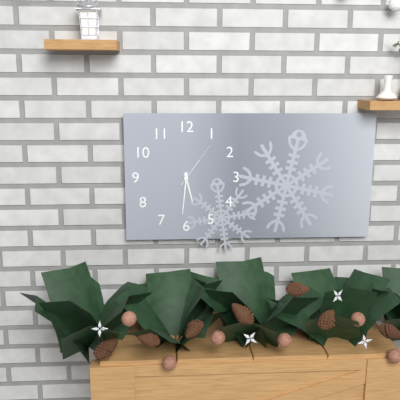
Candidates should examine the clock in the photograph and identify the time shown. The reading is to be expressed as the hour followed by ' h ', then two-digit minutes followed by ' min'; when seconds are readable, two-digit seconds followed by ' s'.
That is 5 h 31 min 06 s
